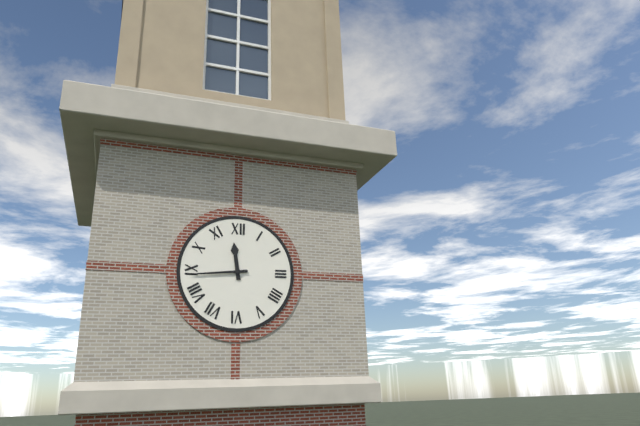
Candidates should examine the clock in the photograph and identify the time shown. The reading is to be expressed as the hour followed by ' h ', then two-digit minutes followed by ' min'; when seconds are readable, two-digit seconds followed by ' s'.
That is 11 h 44 min
